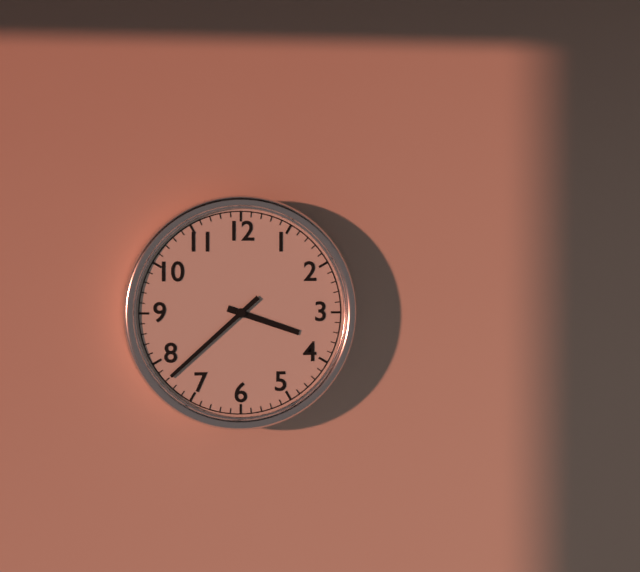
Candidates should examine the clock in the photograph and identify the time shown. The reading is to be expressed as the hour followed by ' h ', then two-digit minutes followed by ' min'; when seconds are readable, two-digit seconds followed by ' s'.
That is 3 h 38 min
